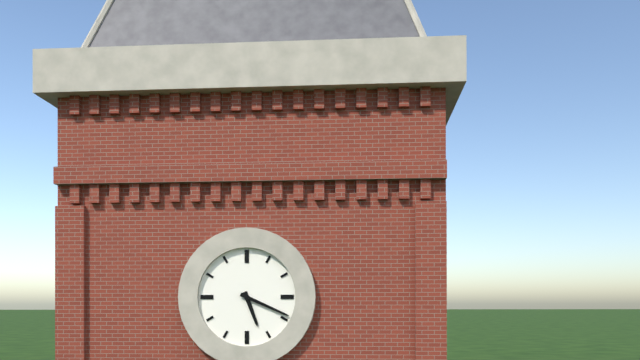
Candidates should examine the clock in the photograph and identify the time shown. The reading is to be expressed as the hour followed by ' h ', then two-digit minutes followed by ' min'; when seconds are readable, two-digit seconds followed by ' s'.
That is 5 h 19 min
